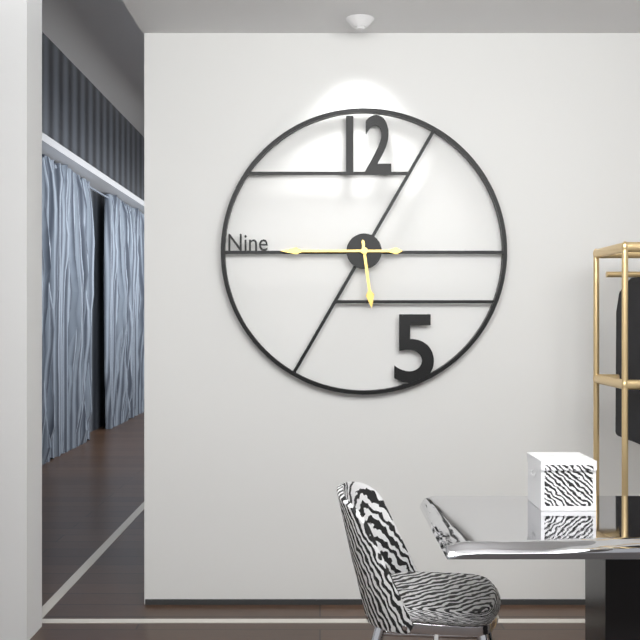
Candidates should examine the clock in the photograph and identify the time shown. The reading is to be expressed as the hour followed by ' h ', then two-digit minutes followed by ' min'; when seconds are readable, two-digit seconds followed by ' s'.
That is 5 h 45 min
